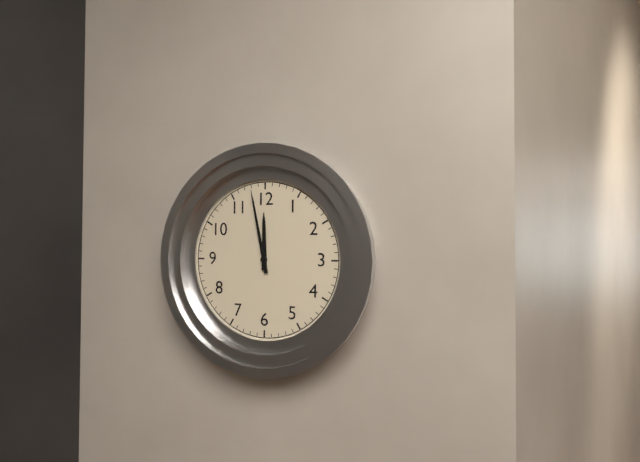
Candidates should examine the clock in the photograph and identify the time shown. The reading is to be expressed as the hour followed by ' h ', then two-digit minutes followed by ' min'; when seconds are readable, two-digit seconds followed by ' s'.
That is 11 h 58 min
